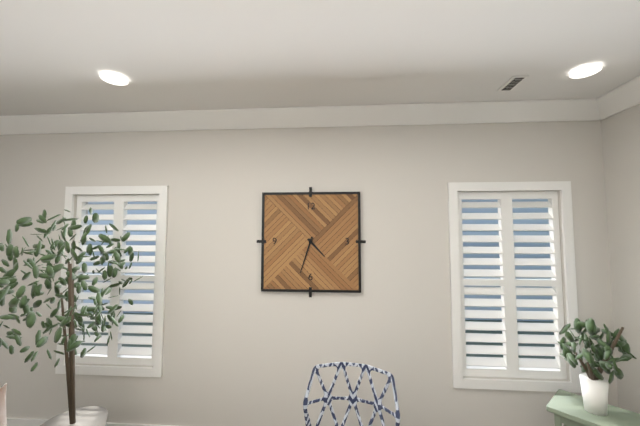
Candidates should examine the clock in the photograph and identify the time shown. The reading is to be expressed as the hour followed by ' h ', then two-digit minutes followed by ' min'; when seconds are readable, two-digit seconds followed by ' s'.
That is 4 h 33 min
